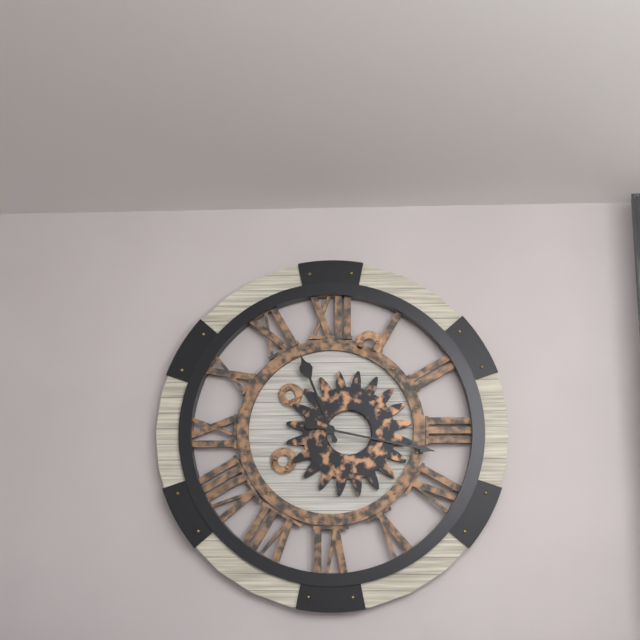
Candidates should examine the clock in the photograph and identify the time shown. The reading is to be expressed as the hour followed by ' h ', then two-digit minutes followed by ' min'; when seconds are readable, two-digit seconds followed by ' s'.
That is 11 h 17 min
